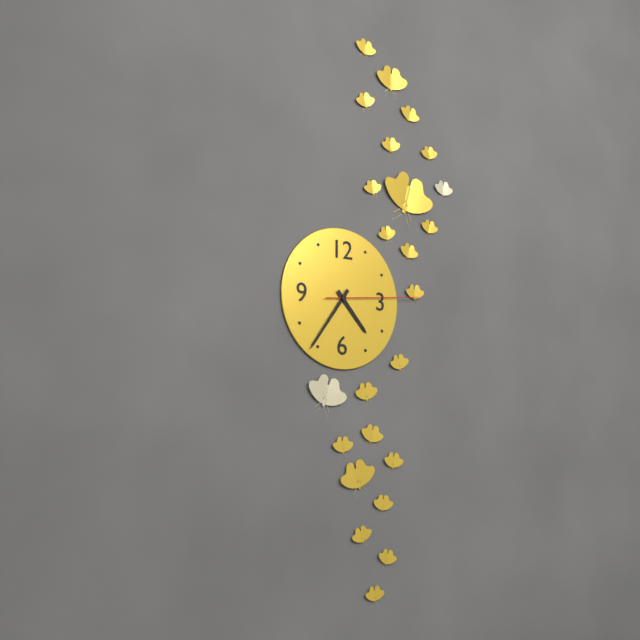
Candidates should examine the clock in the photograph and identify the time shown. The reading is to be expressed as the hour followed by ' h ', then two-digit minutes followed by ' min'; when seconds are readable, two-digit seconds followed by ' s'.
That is 4 h 36 min 14 s
